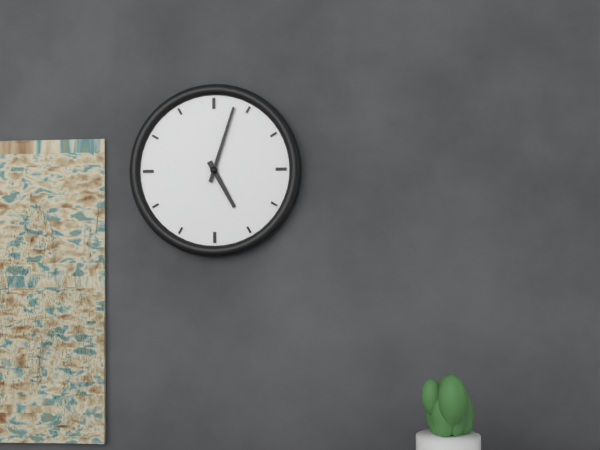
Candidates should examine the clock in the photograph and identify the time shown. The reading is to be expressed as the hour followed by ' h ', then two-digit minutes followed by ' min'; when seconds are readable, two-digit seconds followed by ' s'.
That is 5 h 03 min
